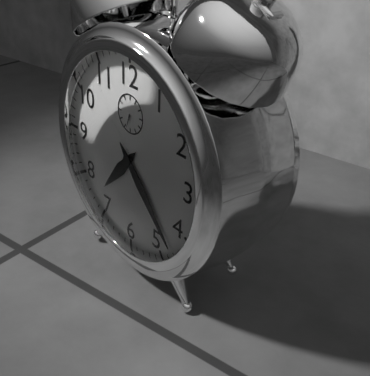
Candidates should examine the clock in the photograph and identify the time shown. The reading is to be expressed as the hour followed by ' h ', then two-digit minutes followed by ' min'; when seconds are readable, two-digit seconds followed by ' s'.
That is 7 h 23 min
